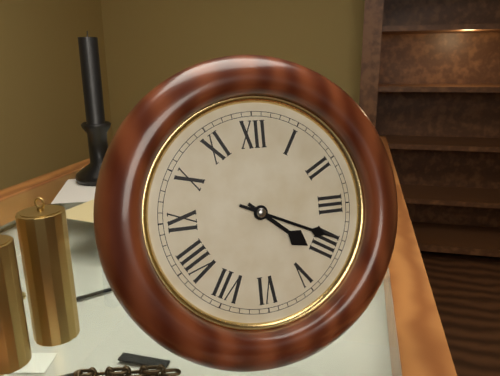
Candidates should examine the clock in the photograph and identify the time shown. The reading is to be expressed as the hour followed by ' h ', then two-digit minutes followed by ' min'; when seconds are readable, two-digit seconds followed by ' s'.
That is 4 h 19 min
